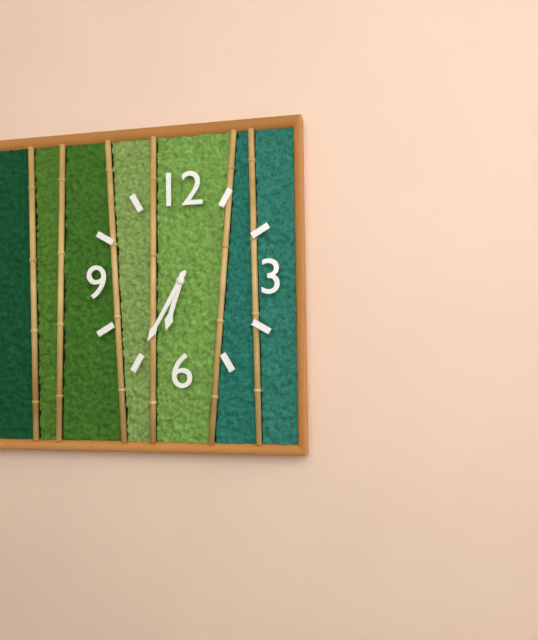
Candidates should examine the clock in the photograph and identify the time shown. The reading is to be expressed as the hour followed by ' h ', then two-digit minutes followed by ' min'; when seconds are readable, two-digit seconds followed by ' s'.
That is 6 h 35 min
